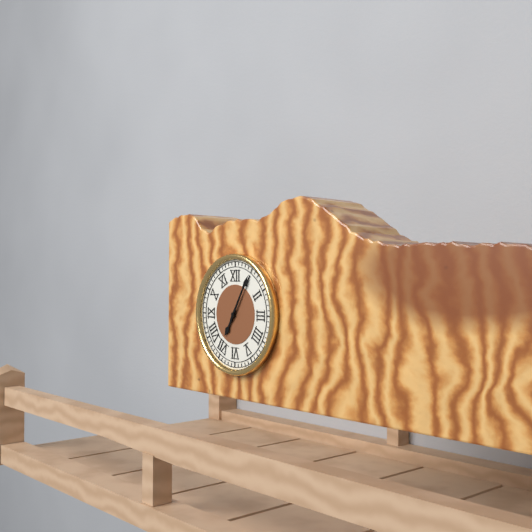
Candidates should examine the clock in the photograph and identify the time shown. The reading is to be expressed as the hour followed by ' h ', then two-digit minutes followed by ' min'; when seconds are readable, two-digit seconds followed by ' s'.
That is 7 h 05 min
